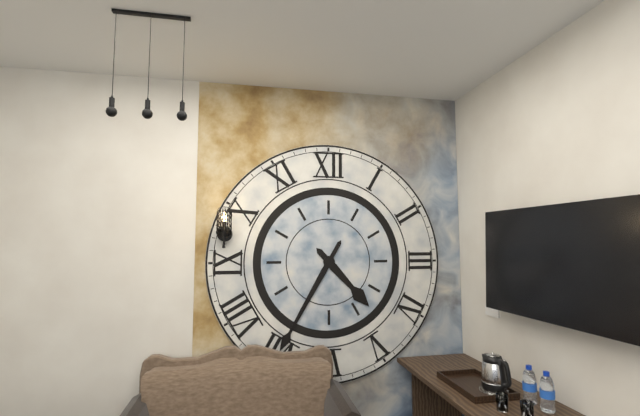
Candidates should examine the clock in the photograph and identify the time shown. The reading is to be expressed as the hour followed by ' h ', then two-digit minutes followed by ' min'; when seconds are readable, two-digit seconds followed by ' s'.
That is 4 h 35 min
